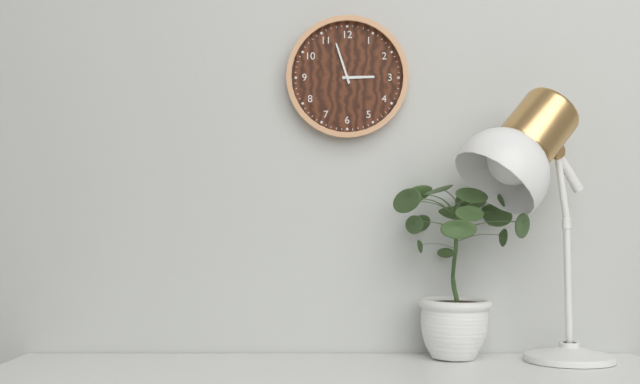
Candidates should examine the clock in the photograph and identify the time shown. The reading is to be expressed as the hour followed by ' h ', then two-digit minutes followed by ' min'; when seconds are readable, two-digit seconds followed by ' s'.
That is 2 h 57 min
